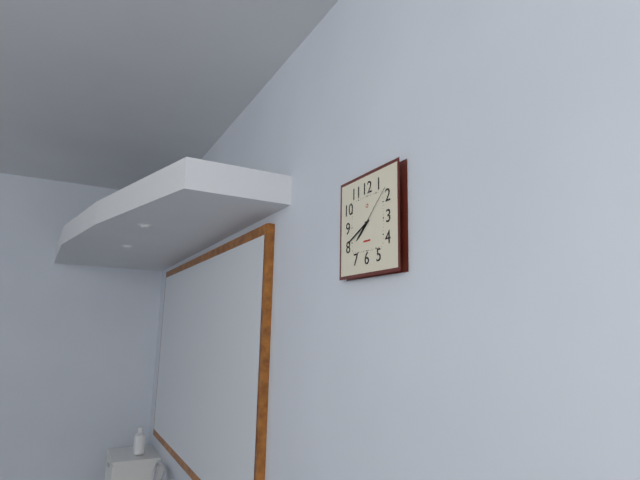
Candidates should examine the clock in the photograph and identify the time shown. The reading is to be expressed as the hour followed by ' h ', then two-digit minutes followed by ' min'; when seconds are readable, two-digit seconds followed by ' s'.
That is 7 h 41 min 08 s
